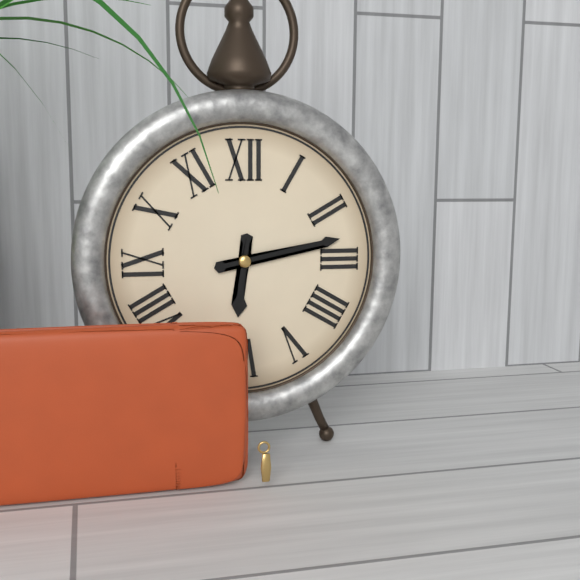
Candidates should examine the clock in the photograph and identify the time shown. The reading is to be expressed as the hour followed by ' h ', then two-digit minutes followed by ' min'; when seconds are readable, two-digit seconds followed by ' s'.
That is 6 h 13 min
